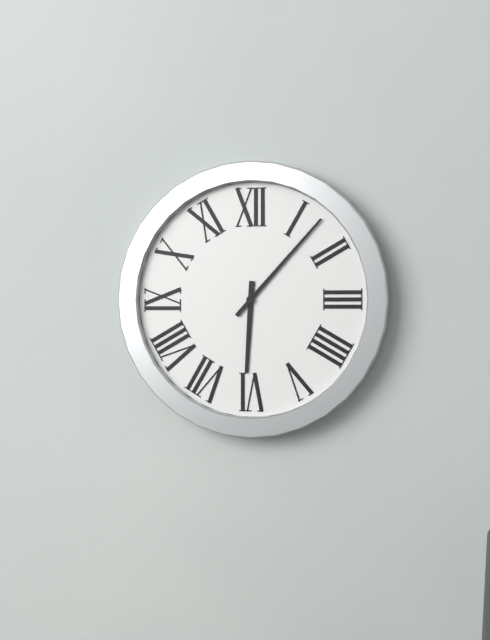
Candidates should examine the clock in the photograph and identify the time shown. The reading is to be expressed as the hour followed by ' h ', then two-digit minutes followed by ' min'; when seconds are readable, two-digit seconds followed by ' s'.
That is 6 h 07 min
